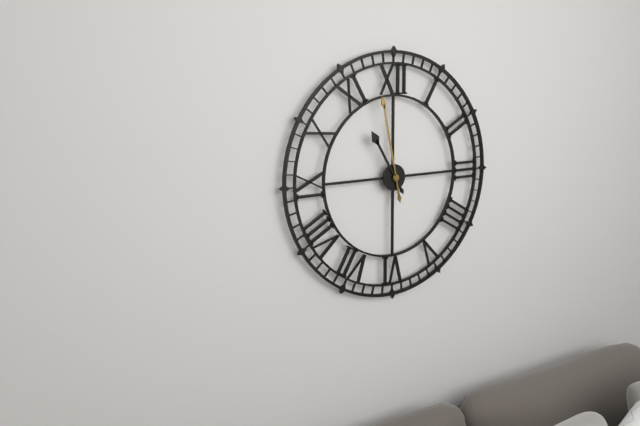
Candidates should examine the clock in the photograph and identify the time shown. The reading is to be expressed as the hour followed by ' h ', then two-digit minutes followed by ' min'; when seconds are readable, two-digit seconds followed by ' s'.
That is 10 h 58 min
